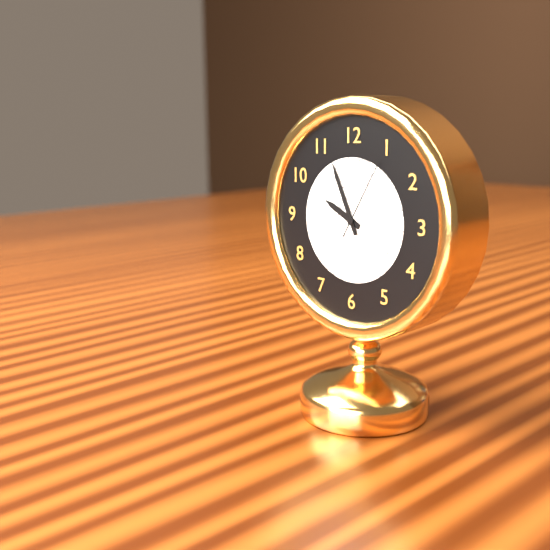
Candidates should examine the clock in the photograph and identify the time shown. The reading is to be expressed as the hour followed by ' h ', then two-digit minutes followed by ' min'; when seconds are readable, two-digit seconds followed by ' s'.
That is 9 h 56 min 05 s
